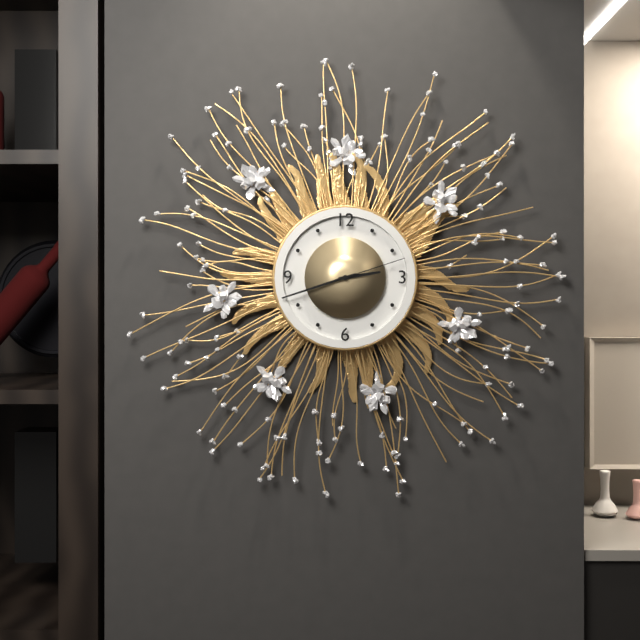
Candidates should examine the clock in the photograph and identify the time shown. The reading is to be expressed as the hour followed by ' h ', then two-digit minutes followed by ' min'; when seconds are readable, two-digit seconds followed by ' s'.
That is 2 h 42 min 12 s
